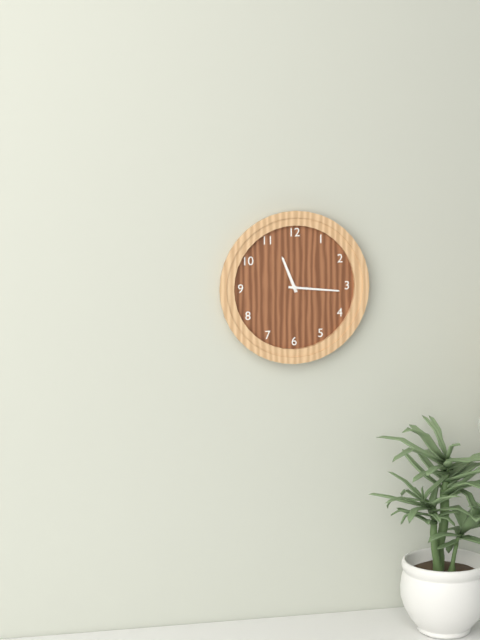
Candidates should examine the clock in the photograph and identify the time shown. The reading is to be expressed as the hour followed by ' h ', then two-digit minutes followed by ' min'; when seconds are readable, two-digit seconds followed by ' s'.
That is 11 h 16 min
